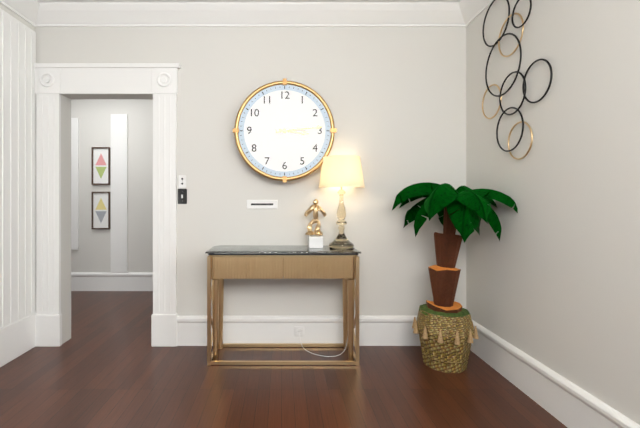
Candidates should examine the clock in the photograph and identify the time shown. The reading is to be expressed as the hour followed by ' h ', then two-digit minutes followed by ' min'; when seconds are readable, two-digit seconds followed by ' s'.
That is 3 h 14 min
